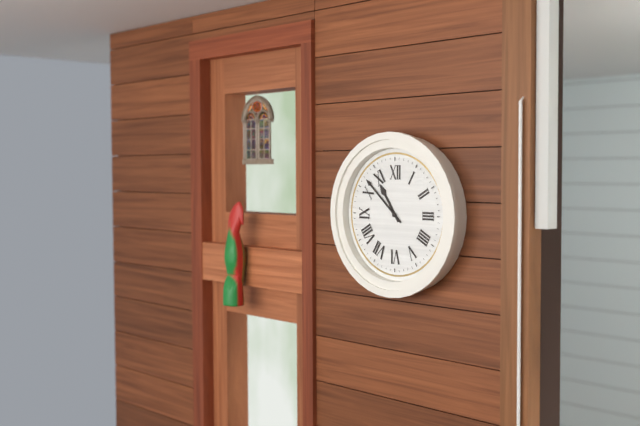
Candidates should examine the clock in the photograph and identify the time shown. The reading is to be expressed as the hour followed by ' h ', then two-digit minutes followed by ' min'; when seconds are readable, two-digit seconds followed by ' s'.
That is 10 h 52 min
